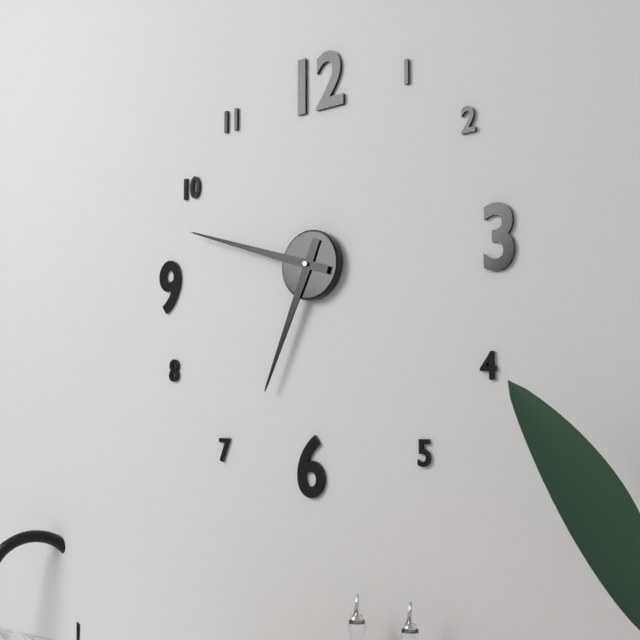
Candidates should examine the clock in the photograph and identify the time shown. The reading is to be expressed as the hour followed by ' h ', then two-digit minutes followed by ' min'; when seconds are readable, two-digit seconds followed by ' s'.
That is 6 h 48 min
